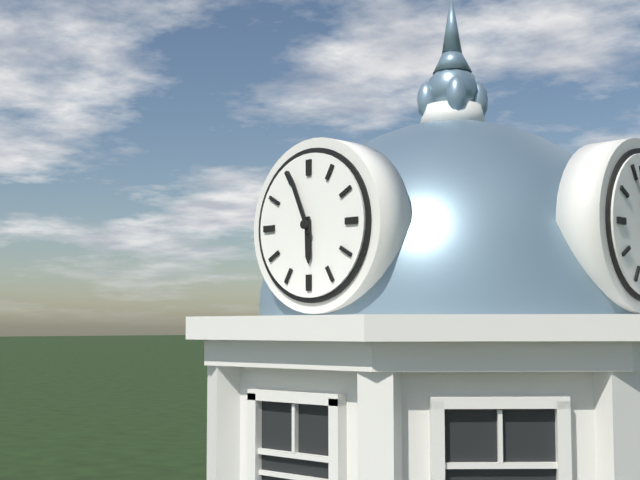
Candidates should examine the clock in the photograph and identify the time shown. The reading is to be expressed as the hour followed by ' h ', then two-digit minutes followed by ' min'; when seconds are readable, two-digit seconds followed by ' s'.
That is 5 h 56 min
